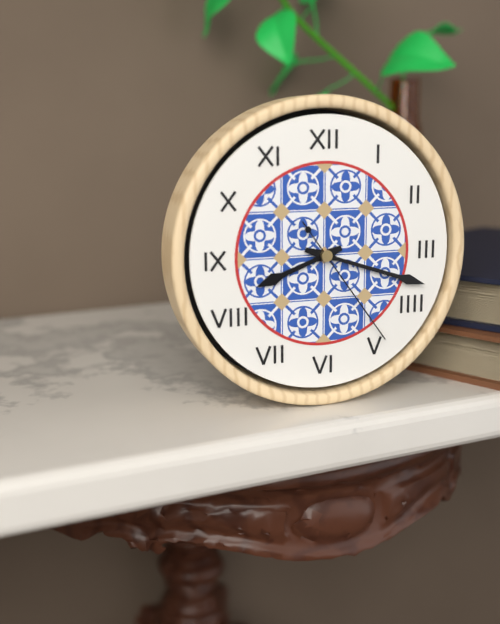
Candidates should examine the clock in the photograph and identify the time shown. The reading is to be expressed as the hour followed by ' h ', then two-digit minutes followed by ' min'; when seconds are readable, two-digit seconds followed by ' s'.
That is 8 h 18 min 24 s
